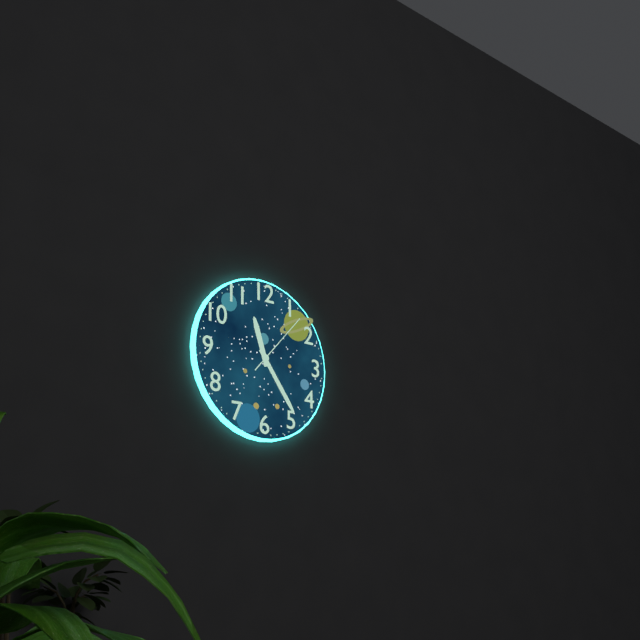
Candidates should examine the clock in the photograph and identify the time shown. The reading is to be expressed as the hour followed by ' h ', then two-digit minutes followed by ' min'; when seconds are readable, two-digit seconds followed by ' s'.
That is 11 h 24 min 07 s
